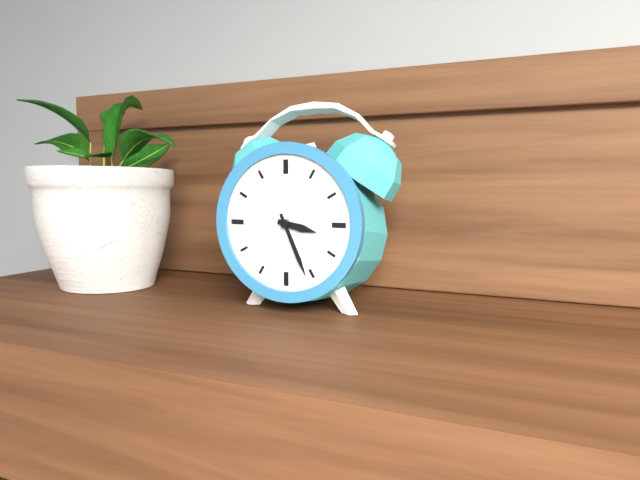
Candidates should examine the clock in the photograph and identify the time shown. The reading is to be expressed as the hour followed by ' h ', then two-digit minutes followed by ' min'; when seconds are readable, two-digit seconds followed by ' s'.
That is 3 h 26 min
